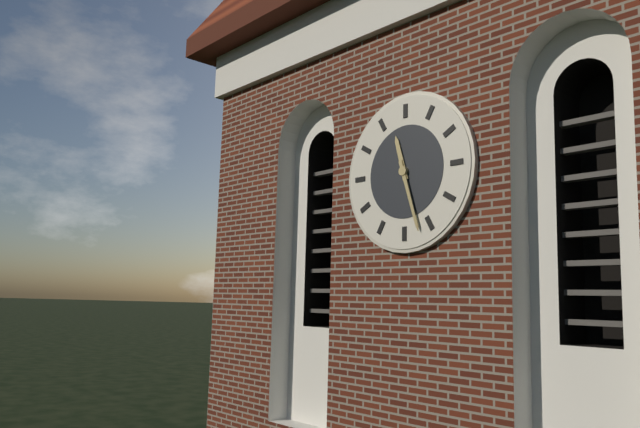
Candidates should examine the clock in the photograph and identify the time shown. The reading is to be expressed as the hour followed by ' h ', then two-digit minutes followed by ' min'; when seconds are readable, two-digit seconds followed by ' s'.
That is 11 h 27 min
